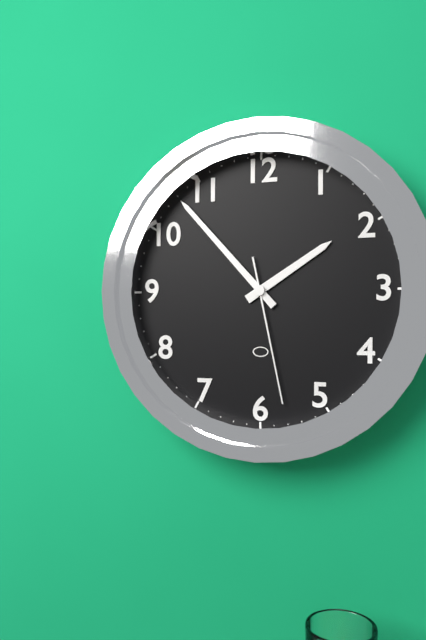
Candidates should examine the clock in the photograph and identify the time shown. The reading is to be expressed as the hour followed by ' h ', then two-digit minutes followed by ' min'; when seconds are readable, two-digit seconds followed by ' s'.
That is 1 h 53 min 28 s
